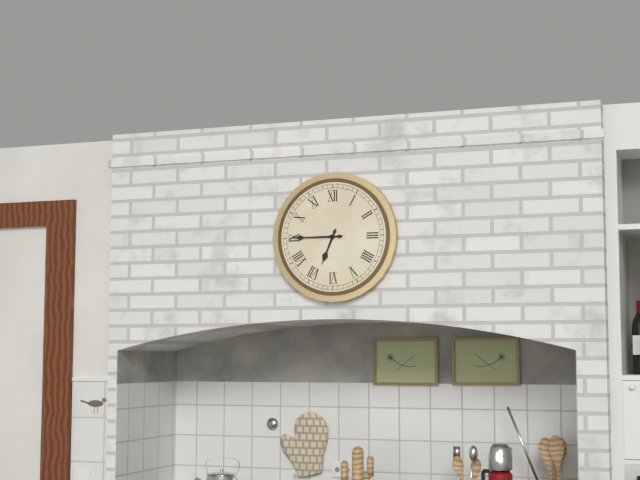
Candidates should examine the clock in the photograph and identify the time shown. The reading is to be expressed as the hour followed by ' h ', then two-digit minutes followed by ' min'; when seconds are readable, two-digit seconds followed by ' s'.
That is 6 h 45 min
